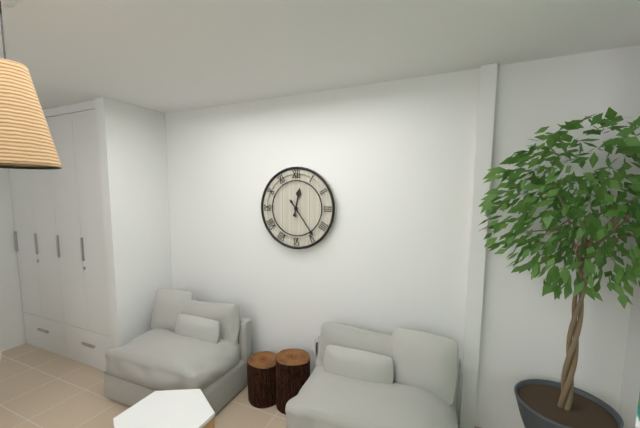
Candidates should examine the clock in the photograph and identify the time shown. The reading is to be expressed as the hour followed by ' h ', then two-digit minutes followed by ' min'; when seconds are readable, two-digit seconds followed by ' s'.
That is 12 h 24 min
